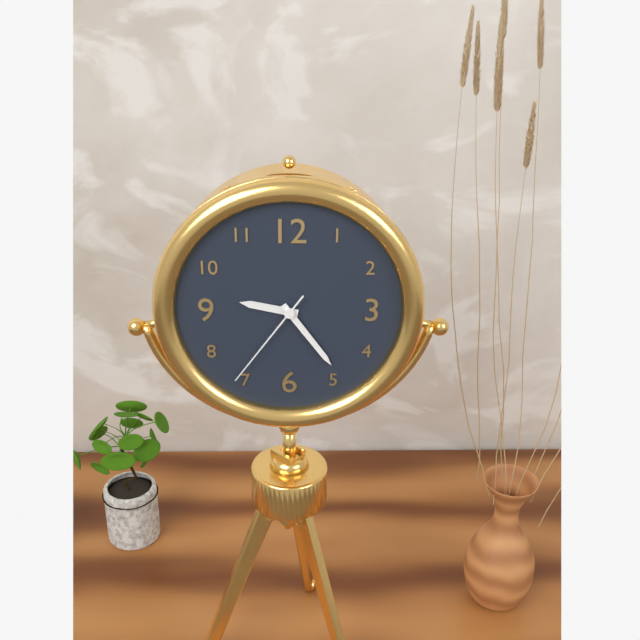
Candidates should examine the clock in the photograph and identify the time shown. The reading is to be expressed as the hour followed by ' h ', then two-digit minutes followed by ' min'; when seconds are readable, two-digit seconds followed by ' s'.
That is 9 h 24 min 36 s
